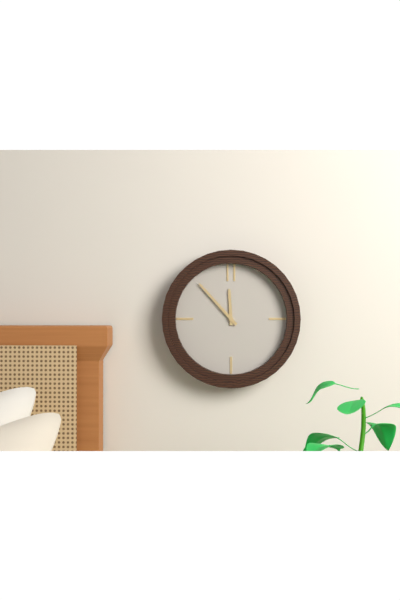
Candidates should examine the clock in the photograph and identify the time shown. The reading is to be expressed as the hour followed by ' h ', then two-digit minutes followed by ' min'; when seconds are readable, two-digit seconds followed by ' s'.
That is 11 h 53 min
